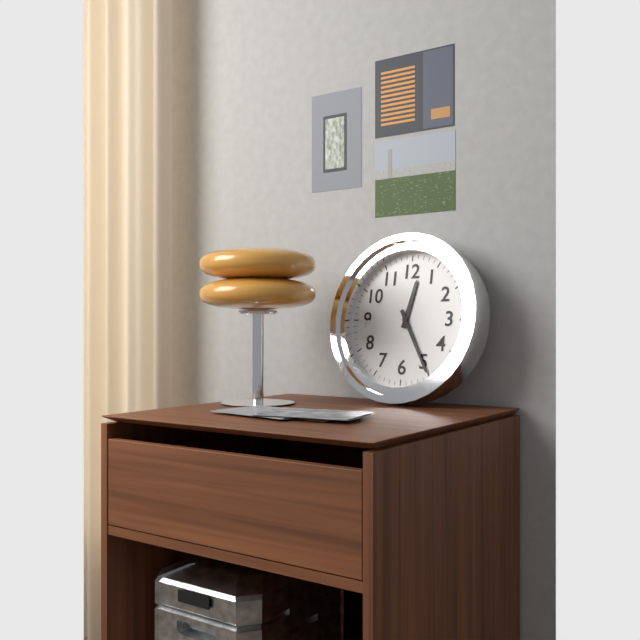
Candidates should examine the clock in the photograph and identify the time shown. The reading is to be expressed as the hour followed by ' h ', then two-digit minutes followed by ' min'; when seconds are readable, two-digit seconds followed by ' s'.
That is 12 h 25 min
